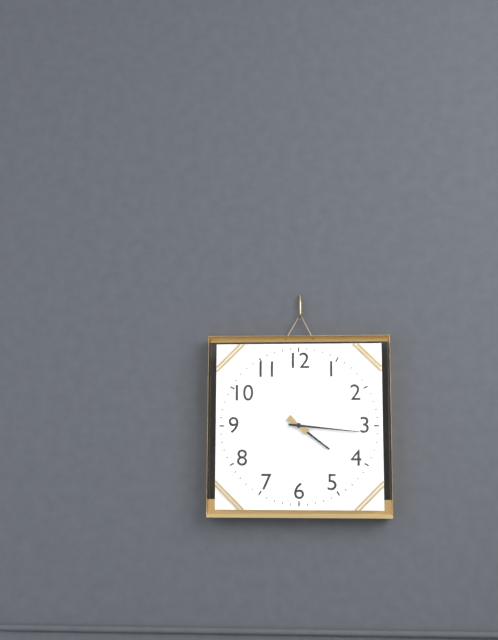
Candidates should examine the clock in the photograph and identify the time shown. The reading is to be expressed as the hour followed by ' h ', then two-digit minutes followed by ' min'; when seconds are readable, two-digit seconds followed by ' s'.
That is 4 h 16 min
